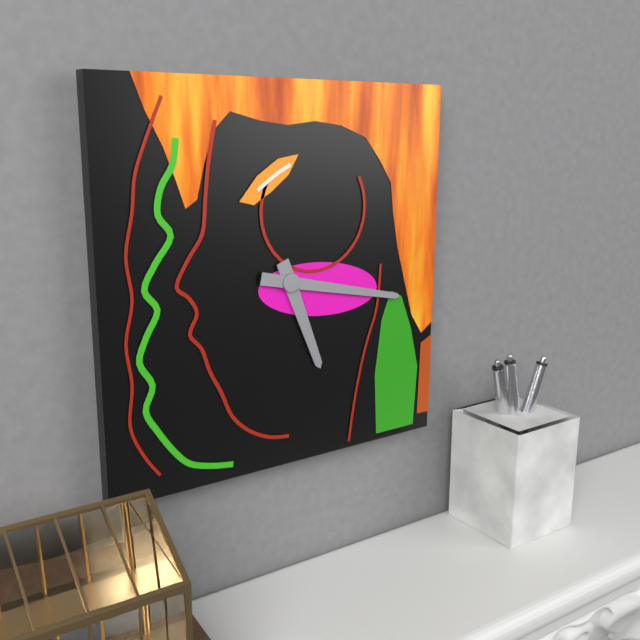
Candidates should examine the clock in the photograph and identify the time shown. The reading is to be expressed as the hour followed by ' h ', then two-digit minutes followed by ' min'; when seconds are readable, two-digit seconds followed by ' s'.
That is 5 h 17 min
